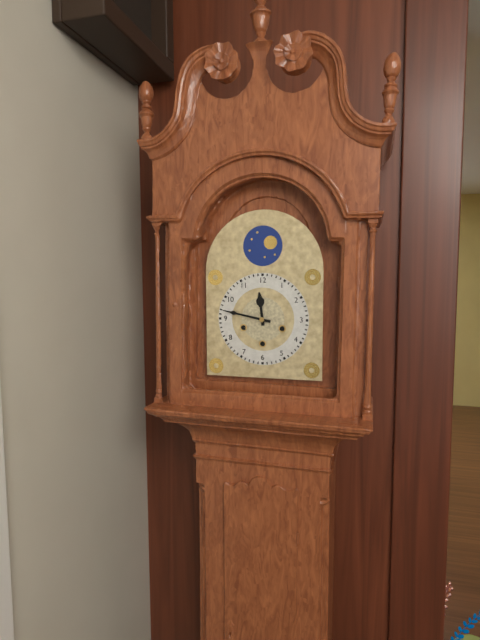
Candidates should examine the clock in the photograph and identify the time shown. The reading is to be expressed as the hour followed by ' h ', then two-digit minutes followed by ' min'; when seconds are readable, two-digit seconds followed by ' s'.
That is 11 h 47 min
